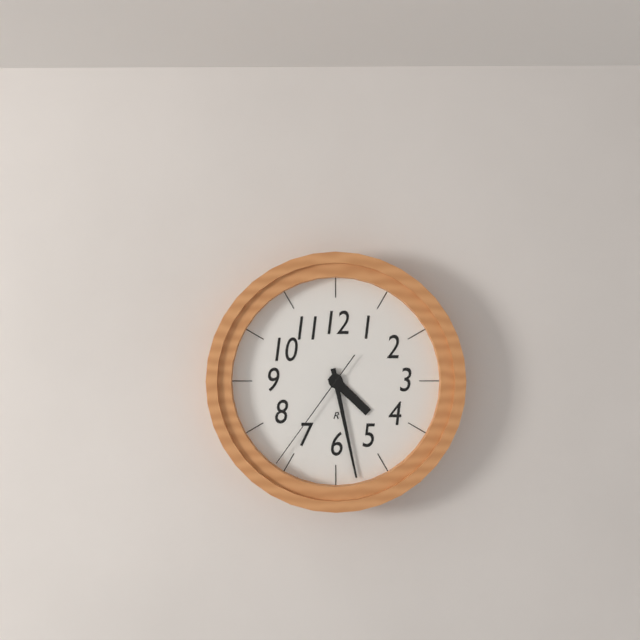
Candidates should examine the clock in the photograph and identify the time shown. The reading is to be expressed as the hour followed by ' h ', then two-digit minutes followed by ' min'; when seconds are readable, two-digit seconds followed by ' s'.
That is 4 h 28 min 36 s
